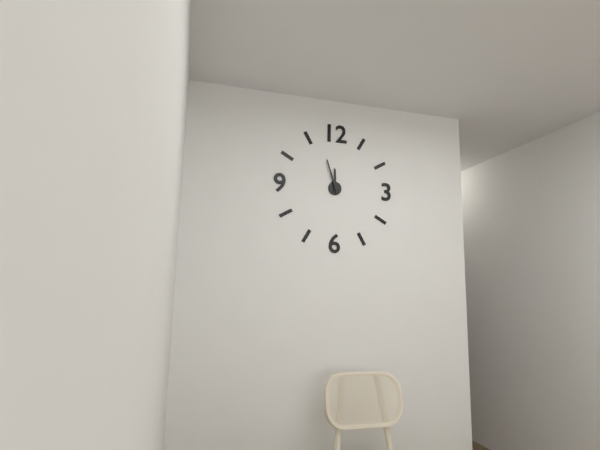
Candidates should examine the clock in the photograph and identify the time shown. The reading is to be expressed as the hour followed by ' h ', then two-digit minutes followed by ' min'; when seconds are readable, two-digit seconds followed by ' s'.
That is 11 h 57 min
